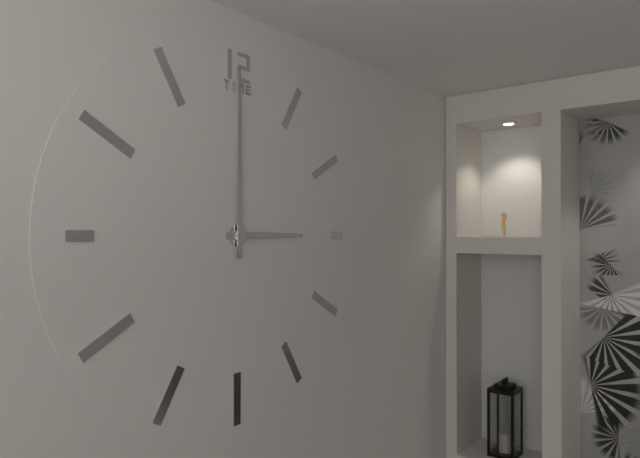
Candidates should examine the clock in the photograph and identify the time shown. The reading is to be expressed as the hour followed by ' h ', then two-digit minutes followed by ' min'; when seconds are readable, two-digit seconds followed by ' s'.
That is 3 h 00 min
